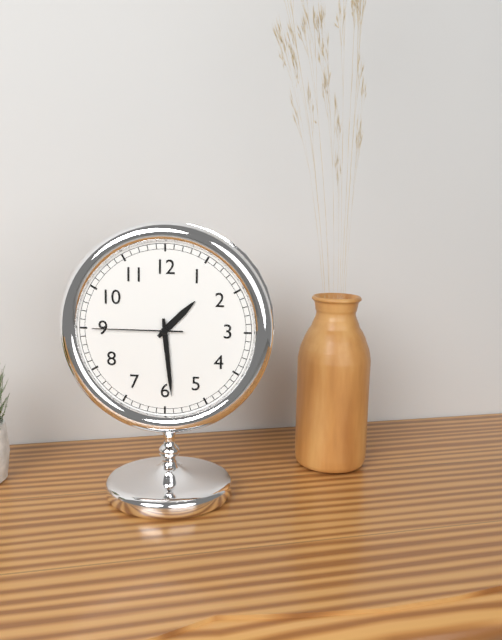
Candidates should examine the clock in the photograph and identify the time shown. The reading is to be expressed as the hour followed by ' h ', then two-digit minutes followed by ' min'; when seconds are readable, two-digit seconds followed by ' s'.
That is 1 h 29 min 45 s
